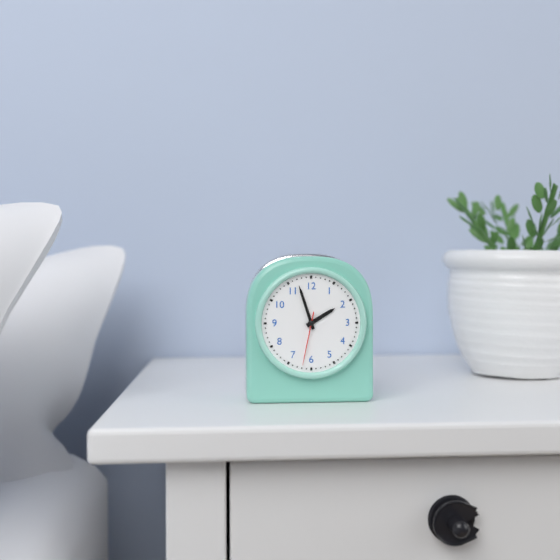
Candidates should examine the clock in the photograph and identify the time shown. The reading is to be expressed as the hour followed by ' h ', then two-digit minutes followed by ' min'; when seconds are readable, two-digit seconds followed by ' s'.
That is 1 h 57 min 32 s
